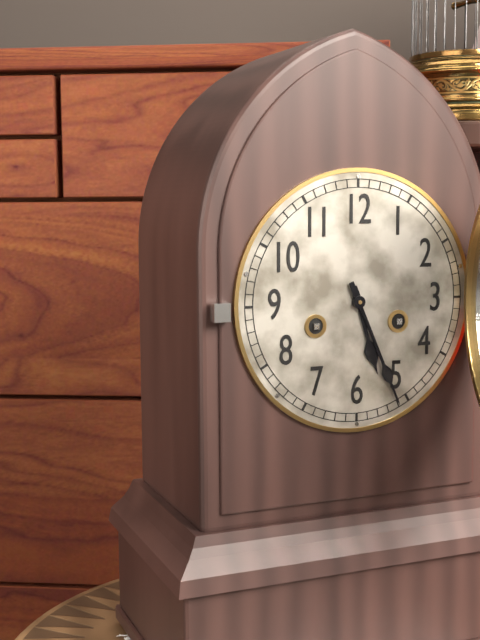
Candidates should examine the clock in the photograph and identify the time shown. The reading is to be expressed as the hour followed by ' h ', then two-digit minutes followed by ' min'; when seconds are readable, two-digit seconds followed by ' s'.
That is 5 h 26 min
